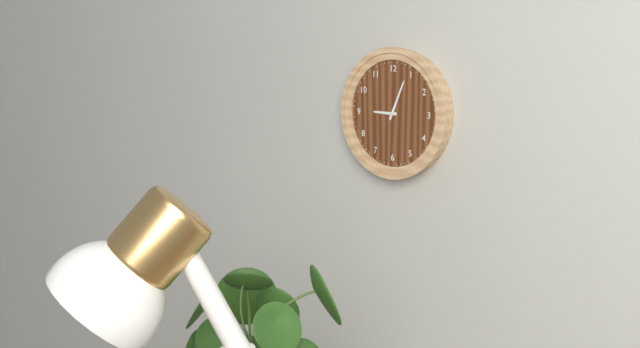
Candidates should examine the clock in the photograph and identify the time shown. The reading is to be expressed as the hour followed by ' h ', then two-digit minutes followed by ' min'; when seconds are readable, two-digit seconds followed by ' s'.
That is 9 h 04 min
